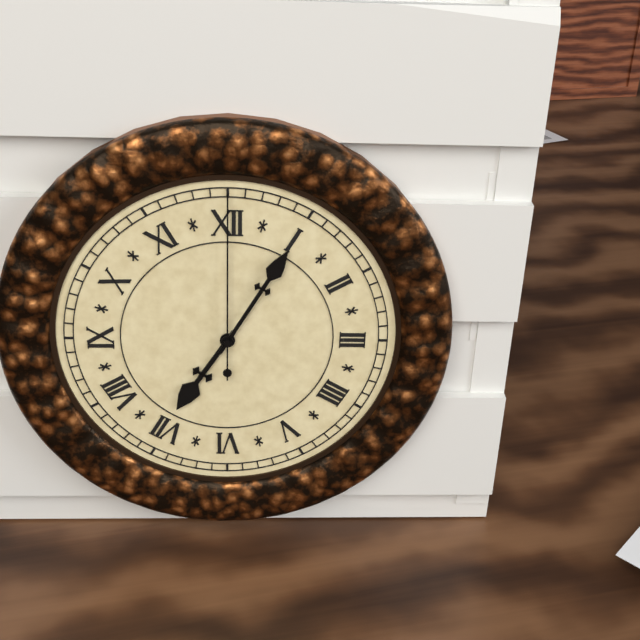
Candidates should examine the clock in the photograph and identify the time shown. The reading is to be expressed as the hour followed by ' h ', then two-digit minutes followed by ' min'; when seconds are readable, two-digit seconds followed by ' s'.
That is 7 h 05 min 00 s
